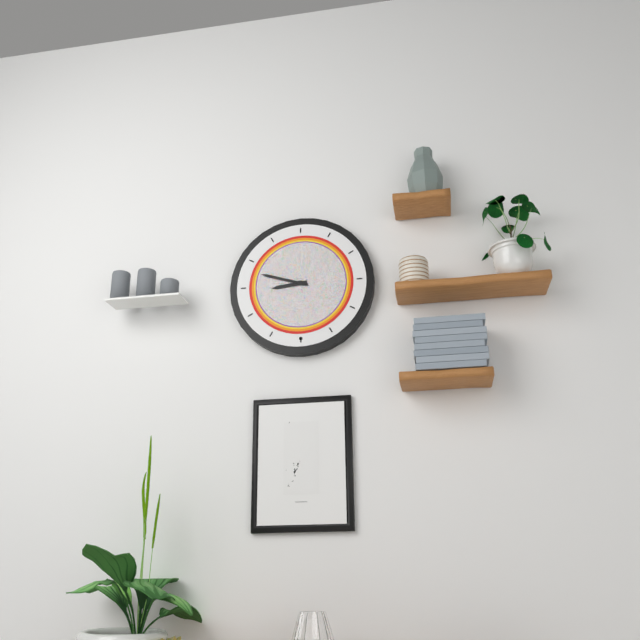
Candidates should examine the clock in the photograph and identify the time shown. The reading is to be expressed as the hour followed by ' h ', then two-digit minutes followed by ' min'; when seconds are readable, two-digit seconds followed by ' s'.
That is 8 h 48 min
